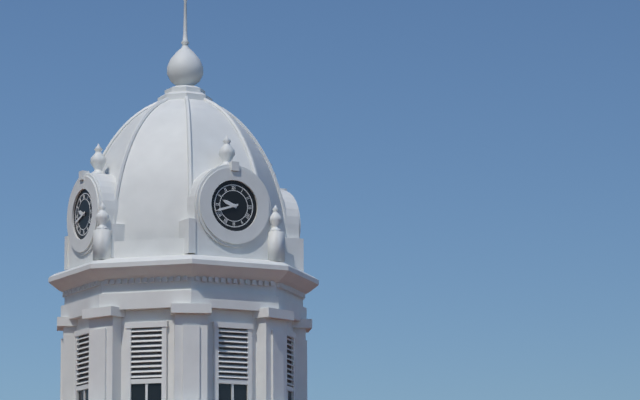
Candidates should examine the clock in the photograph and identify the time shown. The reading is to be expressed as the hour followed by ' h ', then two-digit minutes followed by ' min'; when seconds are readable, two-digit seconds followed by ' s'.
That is 9 h 42 min
